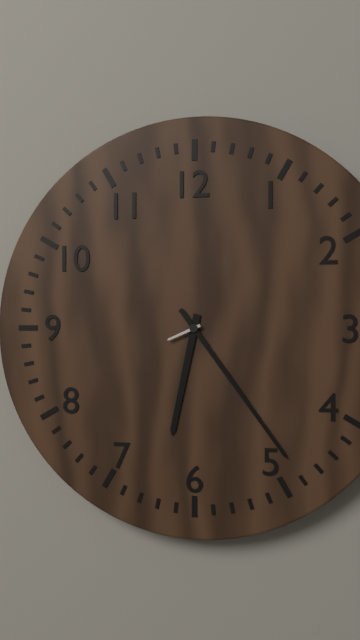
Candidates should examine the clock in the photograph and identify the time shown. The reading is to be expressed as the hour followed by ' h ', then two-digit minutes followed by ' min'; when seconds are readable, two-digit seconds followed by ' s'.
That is 6 h 24 min
